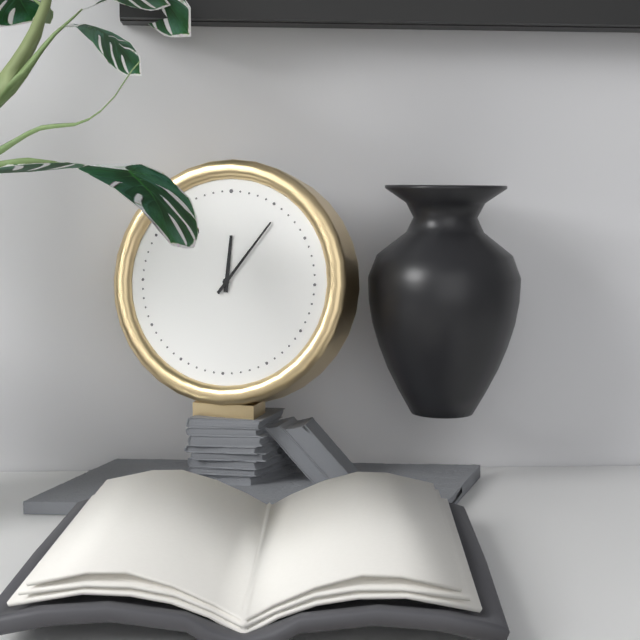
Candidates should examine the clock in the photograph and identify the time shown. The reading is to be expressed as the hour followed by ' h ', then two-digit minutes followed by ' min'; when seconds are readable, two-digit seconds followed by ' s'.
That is 12 h 06 min
